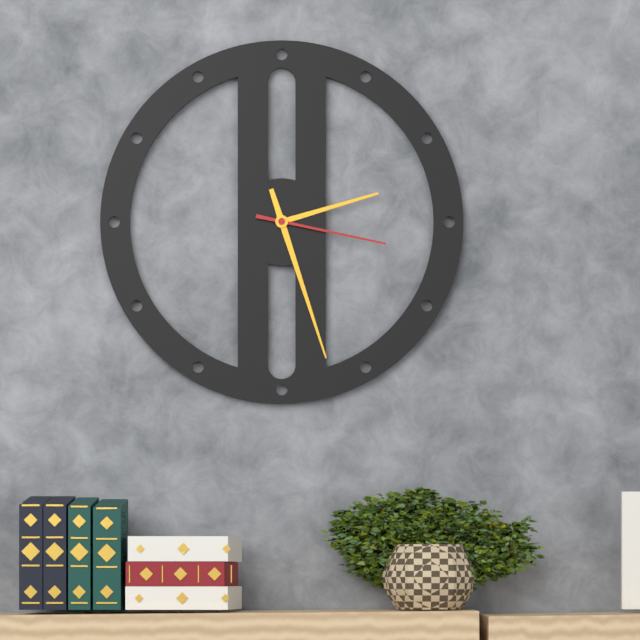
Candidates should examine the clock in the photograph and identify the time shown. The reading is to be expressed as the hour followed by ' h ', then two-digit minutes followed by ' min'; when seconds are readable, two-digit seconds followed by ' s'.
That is 2 h 27 min 17 s
